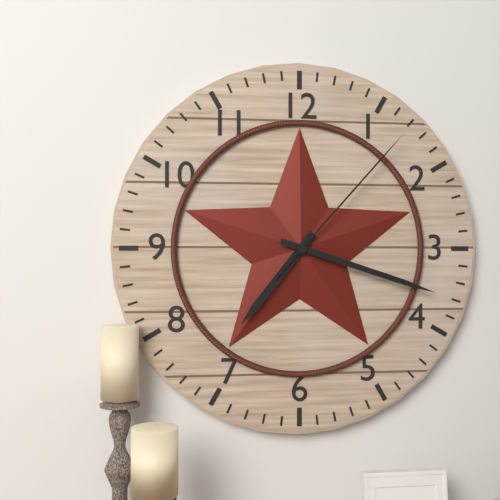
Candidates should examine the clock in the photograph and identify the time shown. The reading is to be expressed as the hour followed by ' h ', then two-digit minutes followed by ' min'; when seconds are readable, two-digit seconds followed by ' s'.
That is 7 h 18 min 07 s
